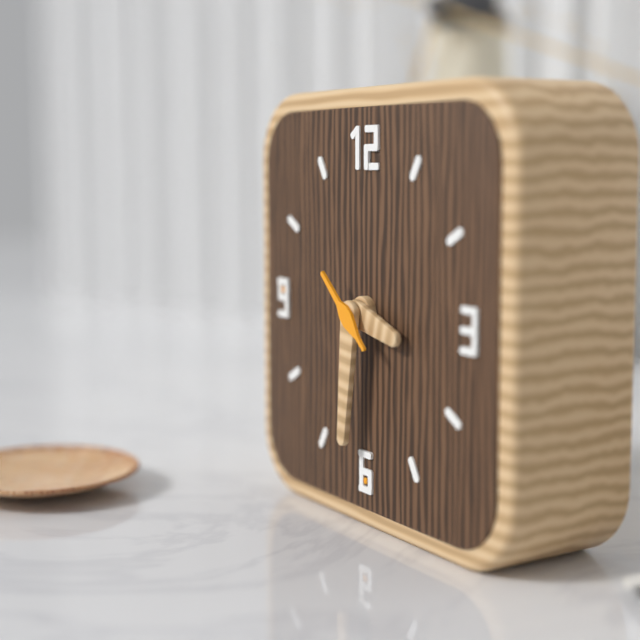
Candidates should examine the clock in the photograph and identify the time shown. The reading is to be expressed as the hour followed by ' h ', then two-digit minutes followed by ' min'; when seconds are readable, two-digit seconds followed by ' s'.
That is 3 h 31 min 52 s
